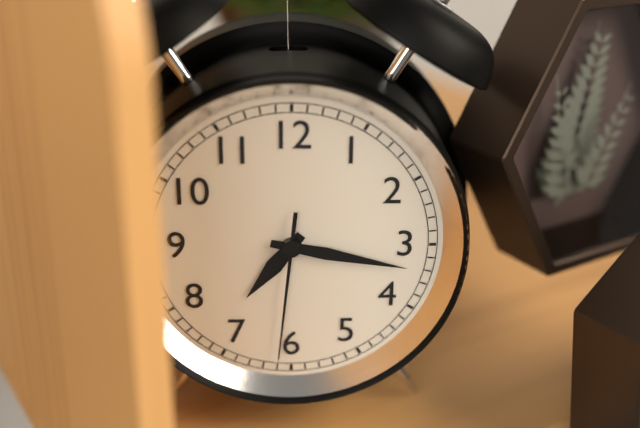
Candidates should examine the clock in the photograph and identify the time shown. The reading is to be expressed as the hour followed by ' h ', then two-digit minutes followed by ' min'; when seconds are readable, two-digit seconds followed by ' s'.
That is 7 h 17 min 31 s
